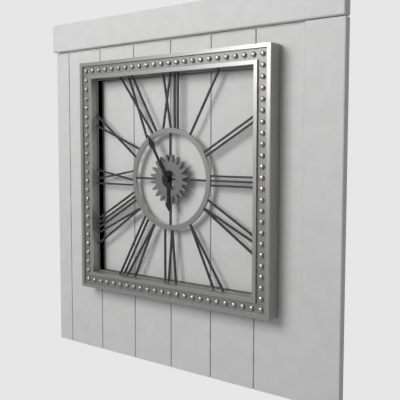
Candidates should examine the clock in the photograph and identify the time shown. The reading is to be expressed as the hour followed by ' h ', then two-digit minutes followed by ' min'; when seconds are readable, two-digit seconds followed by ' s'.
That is 5 h 55 min
